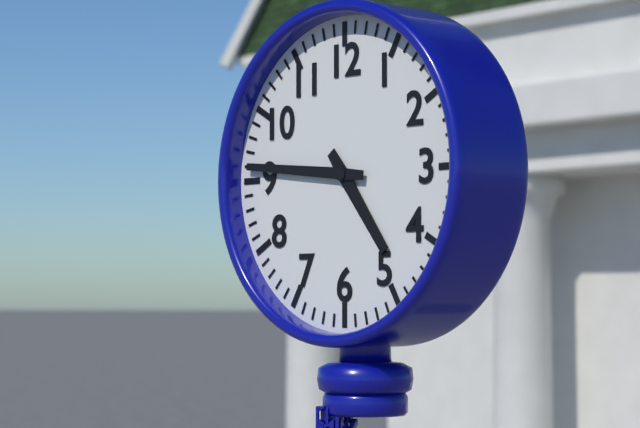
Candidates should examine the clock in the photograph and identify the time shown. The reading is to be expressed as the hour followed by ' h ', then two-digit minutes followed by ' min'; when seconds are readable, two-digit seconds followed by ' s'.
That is 4 h 46 min
